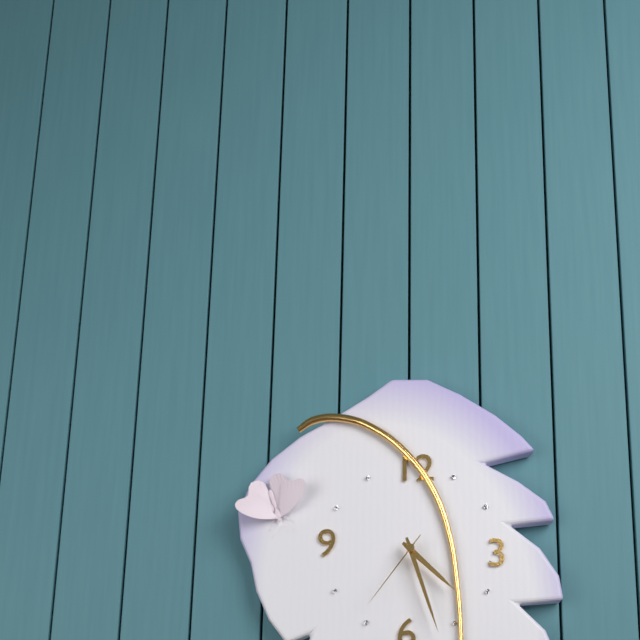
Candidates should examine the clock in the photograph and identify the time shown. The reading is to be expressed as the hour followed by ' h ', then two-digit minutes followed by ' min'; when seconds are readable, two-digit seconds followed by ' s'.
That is 4 h 27 min 36 s
